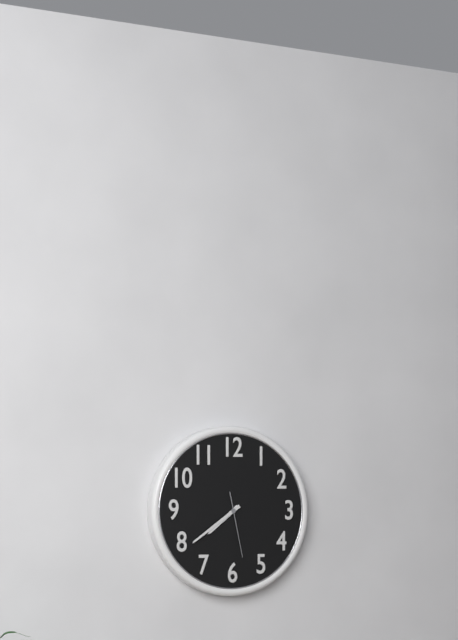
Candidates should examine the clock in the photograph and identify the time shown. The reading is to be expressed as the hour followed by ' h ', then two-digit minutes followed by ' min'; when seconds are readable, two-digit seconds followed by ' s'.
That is 7 h 39 min 28 s
